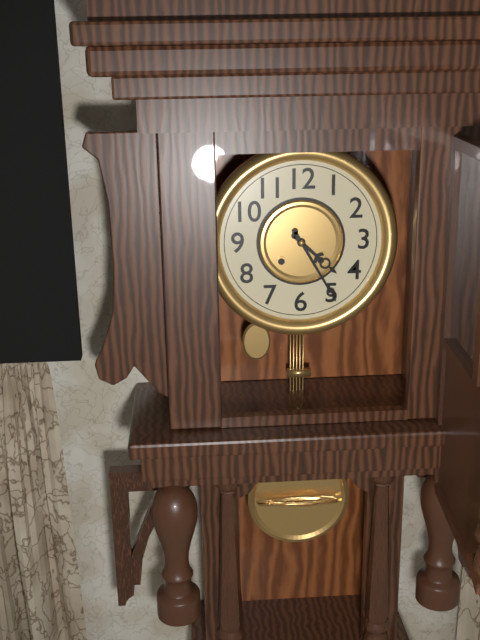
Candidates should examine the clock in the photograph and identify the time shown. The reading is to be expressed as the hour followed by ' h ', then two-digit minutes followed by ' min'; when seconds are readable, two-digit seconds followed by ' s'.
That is 4 h 25 min
